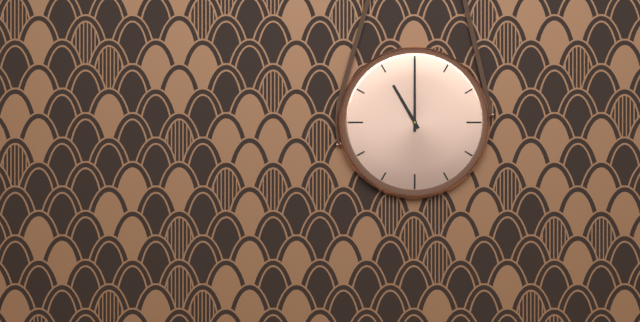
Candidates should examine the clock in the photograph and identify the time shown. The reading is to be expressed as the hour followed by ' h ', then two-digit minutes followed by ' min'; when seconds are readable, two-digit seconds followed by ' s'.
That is 11 h 00 min
